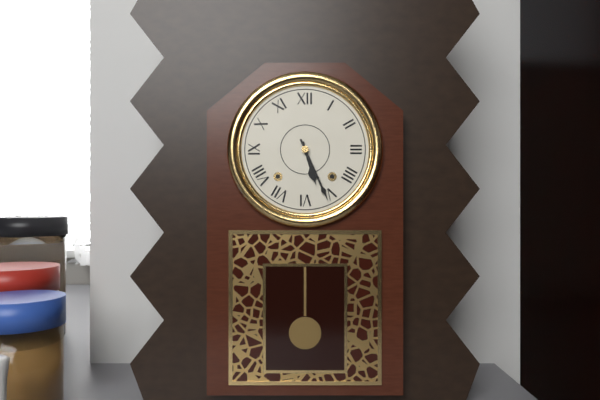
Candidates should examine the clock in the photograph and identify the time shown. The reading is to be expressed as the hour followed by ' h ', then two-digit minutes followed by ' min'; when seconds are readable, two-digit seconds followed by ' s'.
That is 5 h 26 min
